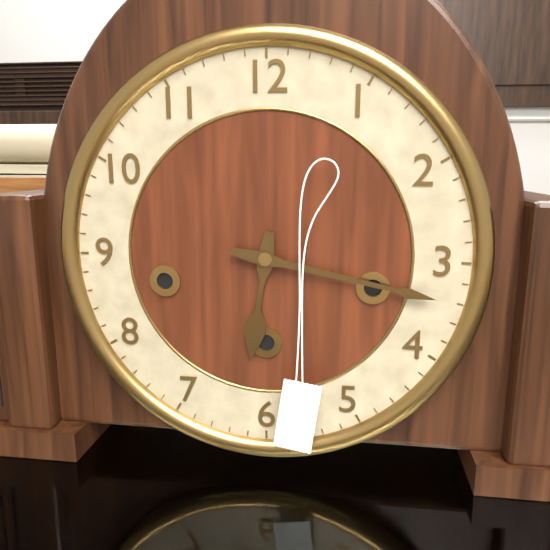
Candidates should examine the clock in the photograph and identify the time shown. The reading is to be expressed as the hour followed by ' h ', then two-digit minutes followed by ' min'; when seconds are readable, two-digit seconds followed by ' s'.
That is 6 h 17 min
